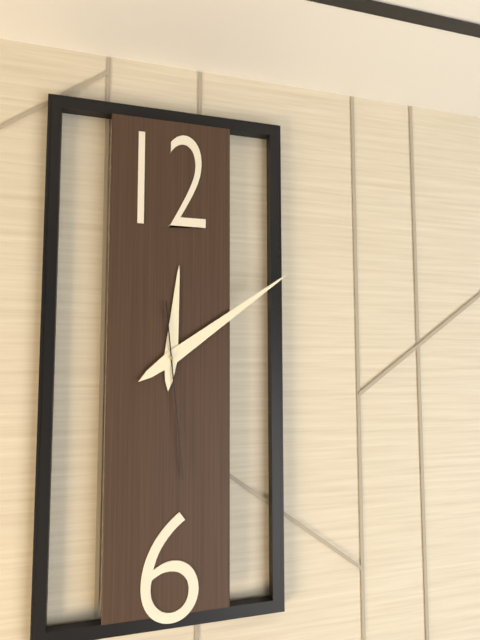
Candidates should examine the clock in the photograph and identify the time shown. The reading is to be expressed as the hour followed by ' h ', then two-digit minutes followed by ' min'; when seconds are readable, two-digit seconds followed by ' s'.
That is 12 h 09 min 29 s
